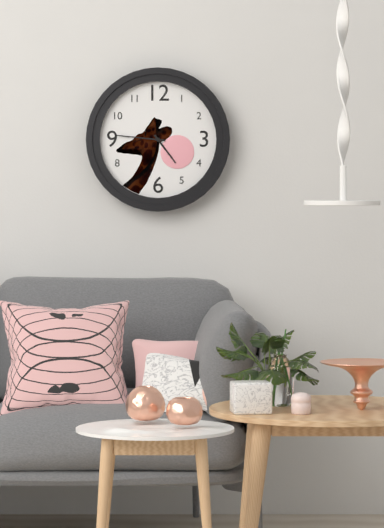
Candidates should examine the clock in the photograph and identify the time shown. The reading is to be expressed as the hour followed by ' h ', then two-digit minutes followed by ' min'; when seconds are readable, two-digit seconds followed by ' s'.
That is 4 h 46 min
